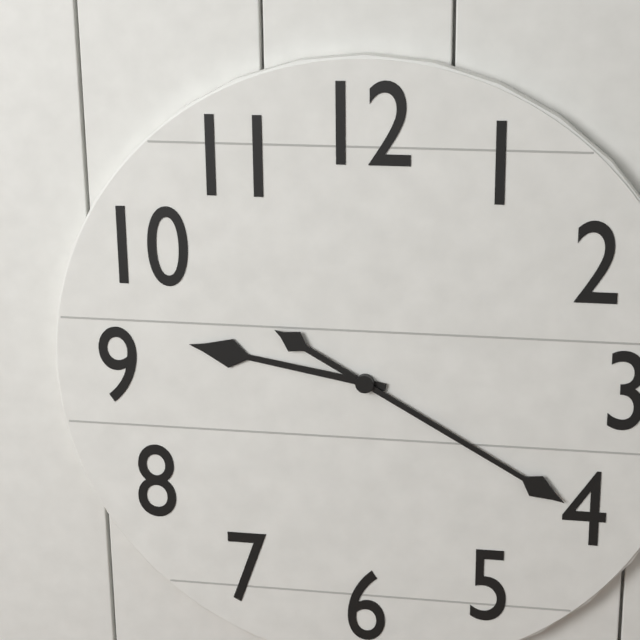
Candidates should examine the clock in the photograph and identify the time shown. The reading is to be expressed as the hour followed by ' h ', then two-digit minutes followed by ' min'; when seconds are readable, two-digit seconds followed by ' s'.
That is 9 h 20 min
